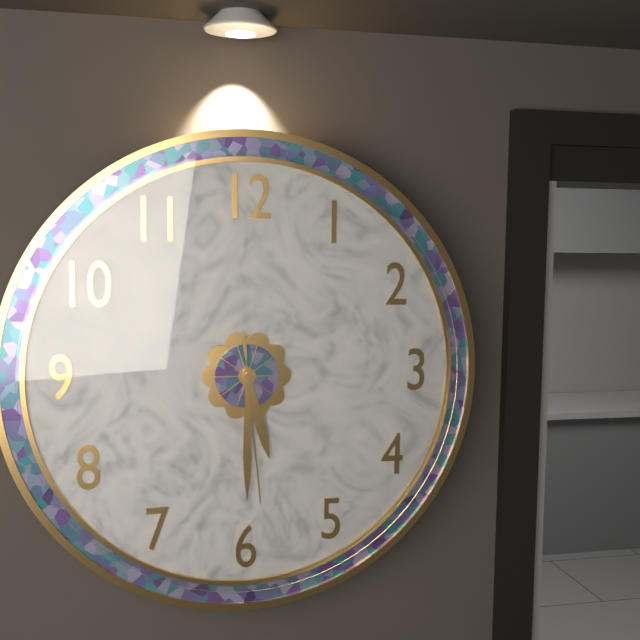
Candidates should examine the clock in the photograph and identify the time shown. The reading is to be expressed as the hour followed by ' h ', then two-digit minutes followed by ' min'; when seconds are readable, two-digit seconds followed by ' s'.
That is 5 h 30 min 29 s
